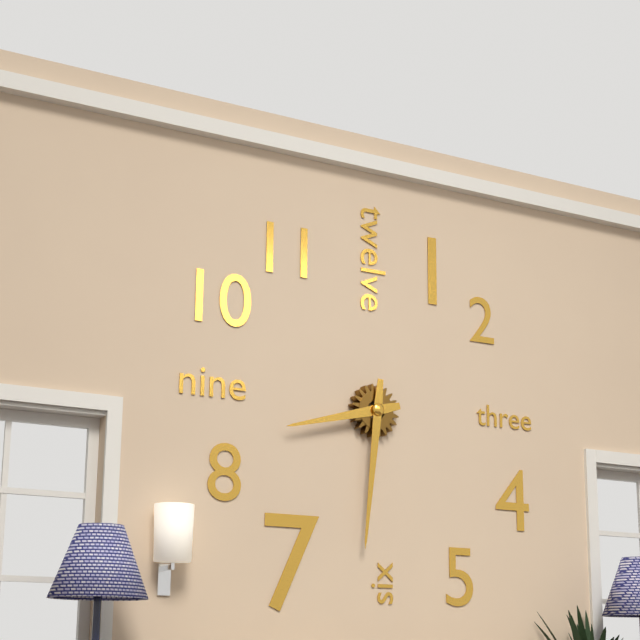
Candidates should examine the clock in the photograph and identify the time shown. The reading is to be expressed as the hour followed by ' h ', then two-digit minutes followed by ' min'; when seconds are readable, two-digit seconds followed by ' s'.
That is 8 h 31 min
